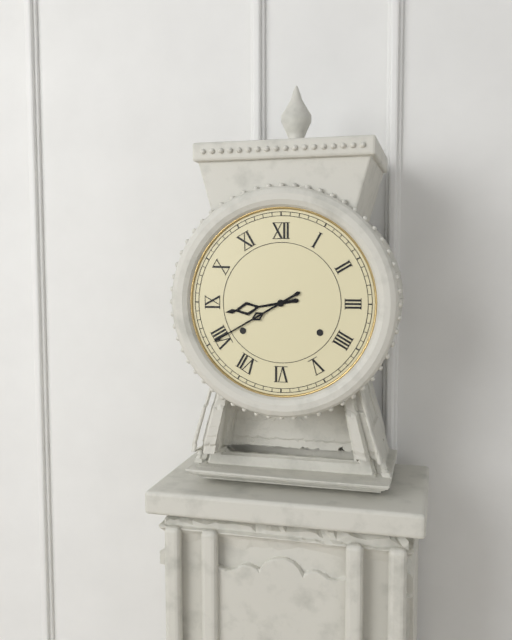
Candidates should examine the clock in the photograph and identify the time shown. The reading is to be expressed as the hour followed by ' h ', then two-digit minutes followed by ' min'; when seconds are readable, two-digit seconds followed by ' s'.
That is 8 h 40 min
